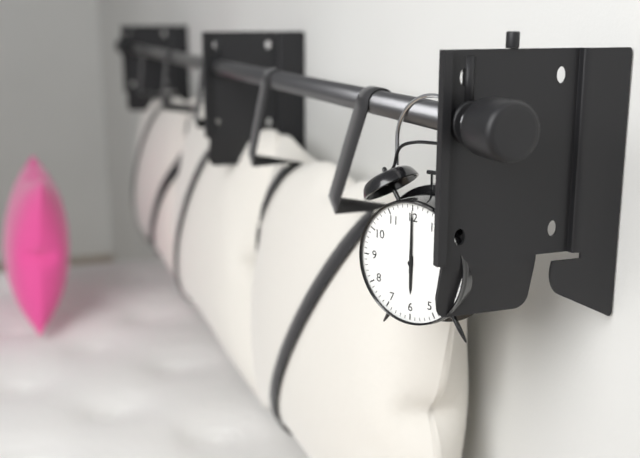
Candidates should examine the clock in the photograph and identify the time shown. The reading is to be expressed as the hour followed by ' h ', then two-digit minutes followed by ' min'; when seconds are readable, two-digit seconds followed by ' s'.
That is 6 h 00 min
